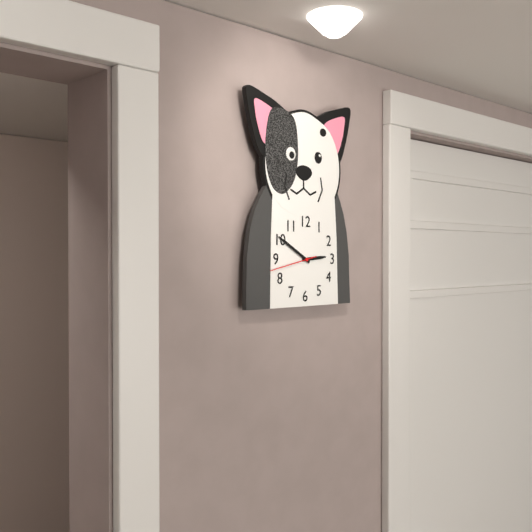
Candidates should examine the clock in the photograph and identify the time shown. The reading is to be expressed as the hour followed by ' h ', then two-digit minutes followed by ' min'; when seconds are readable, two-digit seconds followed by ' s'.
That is 2 h 50 min
